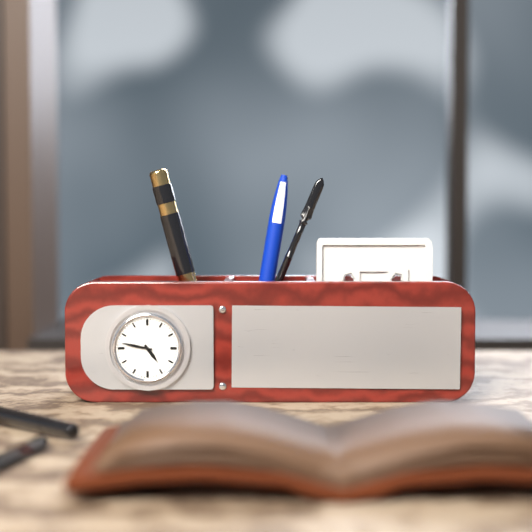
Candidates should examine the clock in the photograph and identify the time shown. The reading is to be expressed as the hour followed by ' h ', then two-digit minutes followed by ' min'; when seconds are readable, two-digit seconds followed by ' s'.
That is 4 h 47 min
